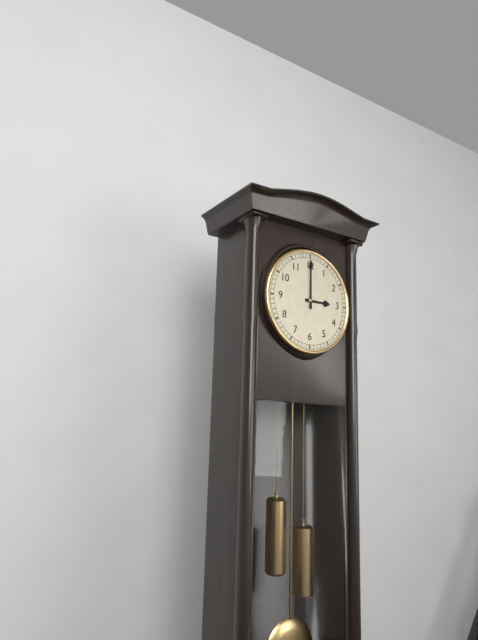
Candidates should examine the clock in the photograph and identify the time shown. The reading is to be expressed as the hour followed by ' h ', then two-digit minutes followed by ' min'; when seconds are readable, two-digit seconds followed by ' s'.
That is 3 h 00 min
